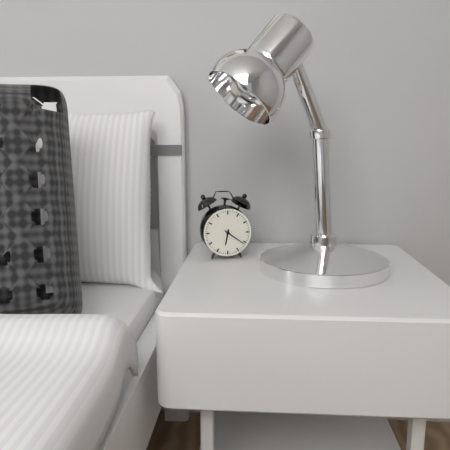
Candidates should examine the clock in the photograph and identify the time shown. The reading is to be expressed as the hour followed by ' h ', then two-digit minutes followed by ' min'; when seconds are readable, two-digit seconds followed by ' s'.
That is 6 h 21 min
